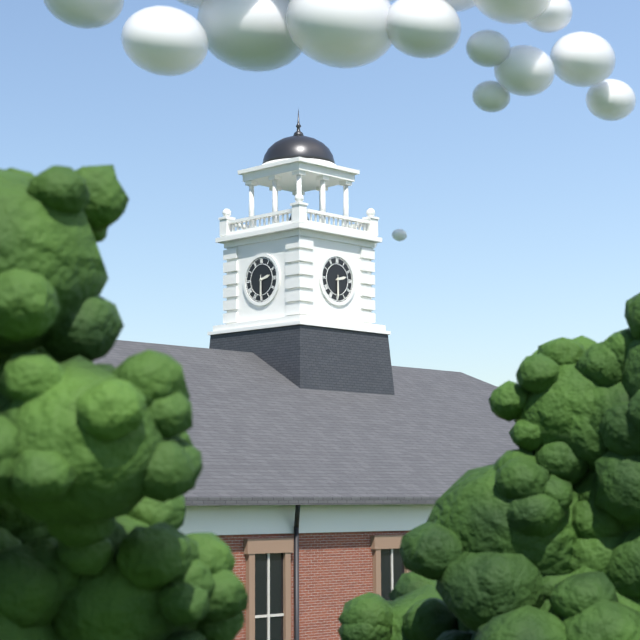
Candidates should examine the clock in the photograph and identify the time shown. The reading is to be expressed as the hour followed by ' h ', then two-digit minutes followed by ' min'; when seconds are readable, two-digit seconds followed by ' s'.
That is 2 h 30 min
